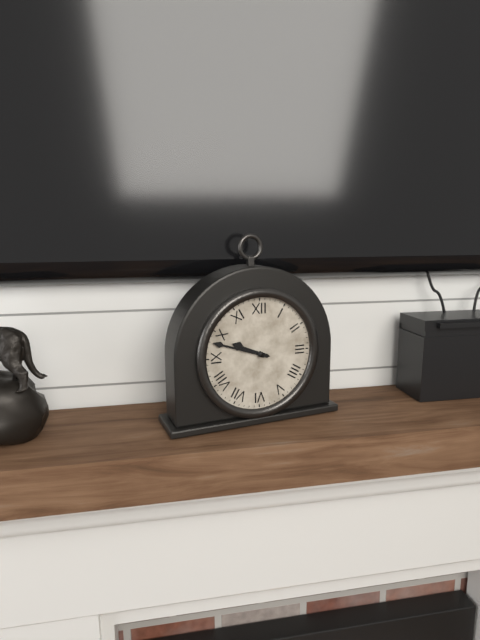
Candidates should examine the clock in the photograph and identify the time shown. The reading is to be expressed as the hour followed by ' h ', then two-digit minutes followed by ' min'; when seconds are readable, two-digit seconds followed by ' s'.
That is 9 h 48 min
